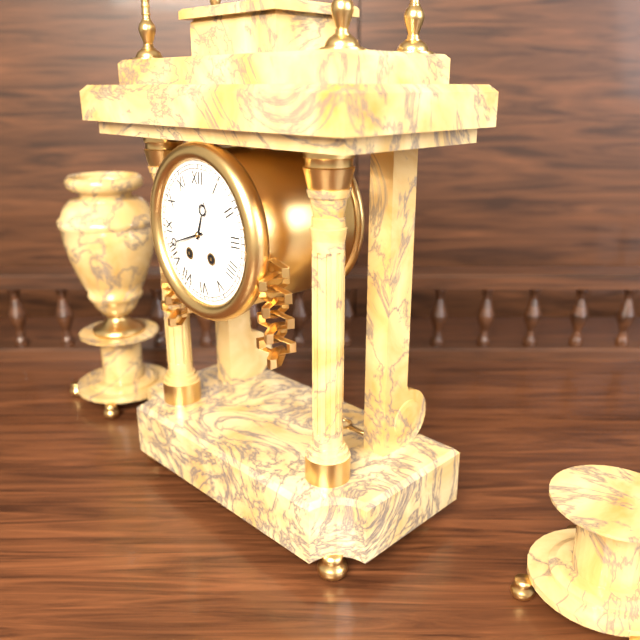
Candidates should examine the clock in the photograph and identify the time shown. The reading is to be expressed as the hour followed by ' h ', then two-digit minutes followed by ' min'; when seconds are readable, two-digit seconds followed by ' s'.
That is 12 h 42 min
